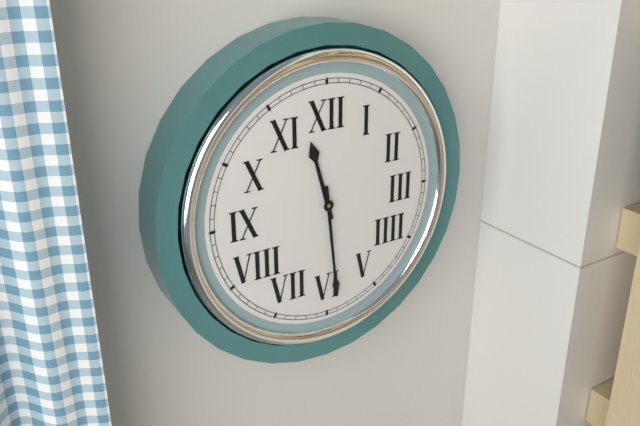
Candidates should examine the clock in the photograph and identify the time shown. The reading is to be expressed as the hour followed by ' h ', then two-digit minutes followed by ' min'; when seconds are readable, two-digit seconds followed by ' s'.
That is 11 h 29 min
